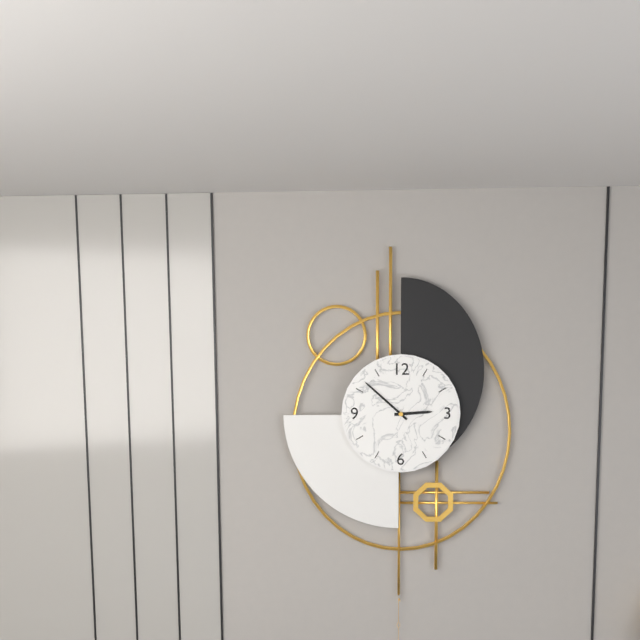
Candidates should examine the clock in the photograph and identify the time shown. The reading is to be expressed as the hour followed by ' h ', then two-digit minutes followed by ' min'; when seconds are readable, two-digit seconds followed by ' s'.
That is 2 h 52 min
